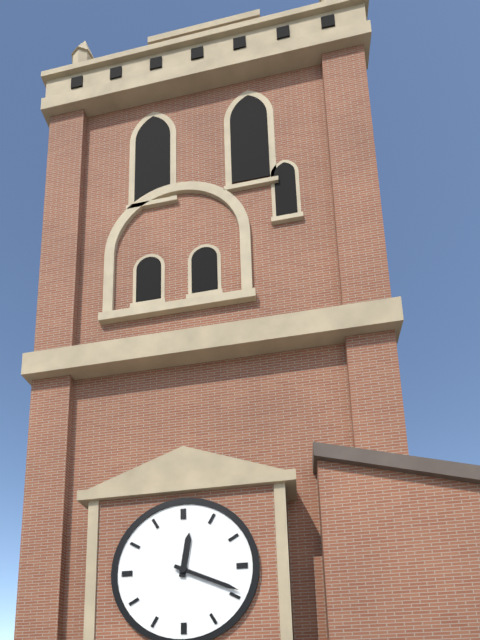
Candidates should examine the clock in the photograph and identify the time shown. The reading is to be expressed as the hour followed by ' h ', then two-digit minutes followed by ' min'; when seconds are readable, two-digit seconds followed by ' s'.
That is 12 h 19 min
